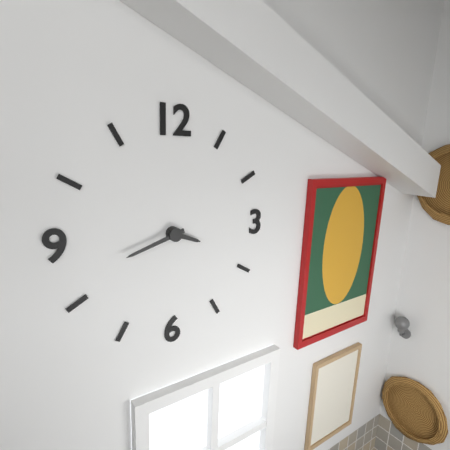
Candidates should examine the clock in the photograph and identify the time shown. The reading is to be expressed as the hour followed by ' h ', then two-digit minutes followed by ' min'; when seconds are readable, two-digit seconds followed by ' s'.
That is 3 h 42 min
